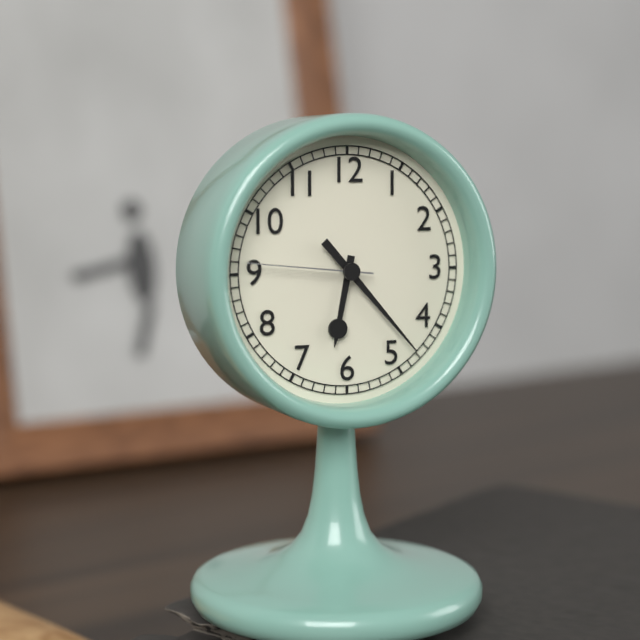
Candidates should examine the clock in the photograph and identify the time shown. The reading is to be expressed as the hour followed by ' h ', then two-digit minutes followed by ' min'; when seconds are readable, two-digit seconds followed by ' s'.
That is 6 h 23 min 46 s
